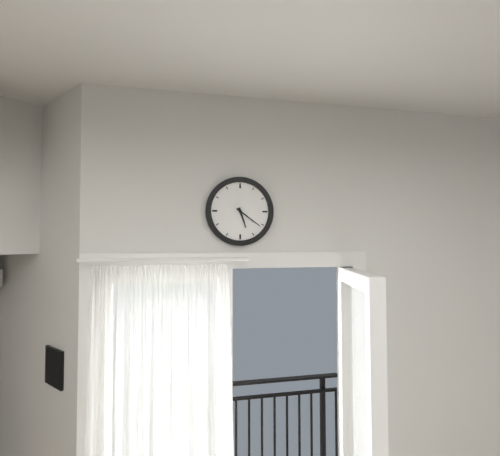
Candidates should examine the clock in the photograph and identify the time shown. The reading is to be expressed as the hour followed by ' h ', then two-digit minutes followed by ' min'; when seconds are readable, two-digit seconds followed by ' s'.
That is 5 h 21 min
